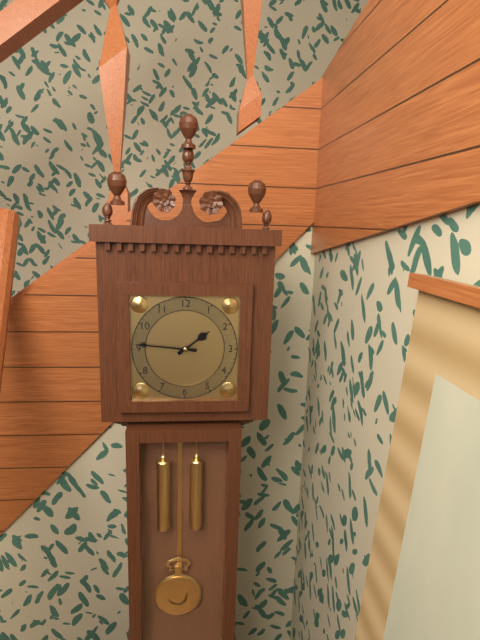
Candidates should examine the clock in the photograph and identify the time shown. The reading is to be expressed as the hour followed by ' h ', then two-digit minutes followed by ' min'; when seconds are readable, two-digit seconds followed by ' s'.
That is 1 h 46 min
